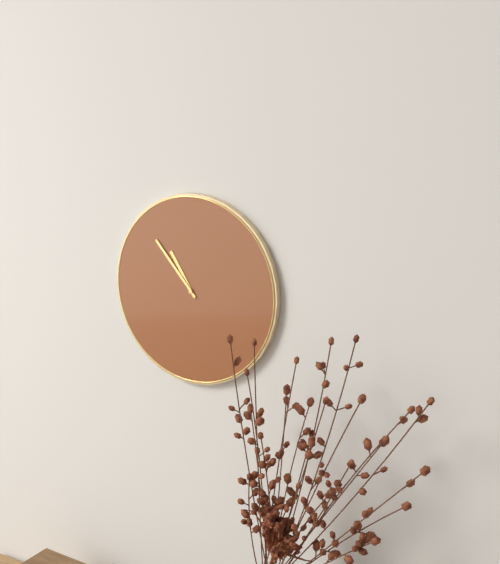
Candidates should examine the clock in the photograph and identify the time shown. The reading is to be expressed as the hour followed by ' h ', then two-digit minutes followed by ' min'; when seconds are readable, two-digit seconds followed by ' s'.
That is 10 h 53 min
